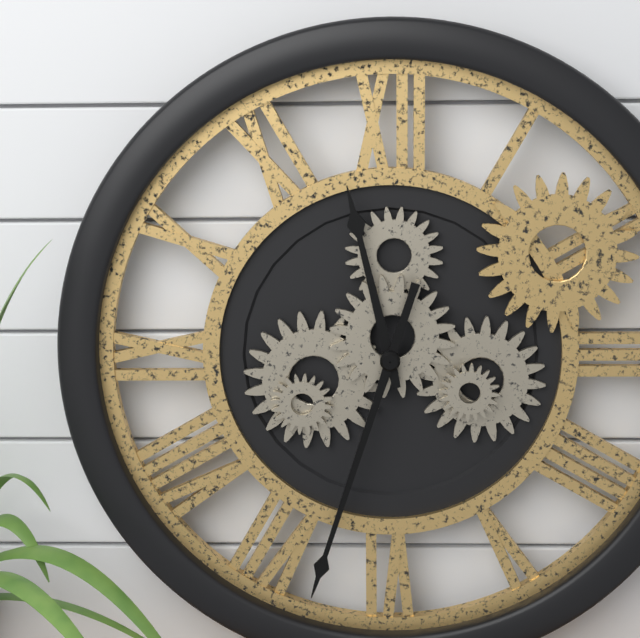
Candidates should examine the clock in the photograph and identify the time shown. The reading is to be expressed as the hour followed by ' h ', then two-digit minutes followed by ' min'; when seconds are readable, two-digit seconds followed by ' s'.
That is 11 h 33 min
